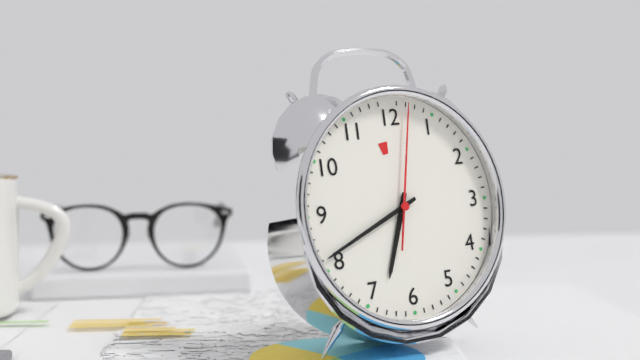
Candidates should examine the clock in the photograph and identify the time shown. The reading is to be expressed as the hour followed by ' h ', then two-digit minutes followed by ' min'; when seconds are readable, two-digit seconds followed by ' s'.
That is 6 h 41 min 02 s
